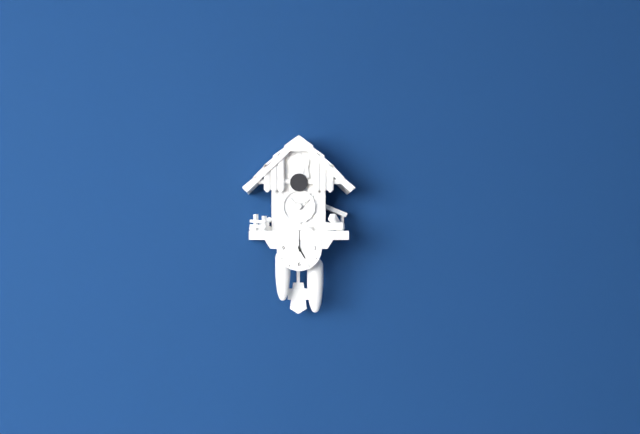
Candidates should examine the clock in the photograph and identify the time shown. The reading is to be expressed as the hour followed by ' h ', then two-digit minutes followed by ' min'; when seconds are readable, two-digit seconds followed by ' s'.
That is 5 h 00 min
